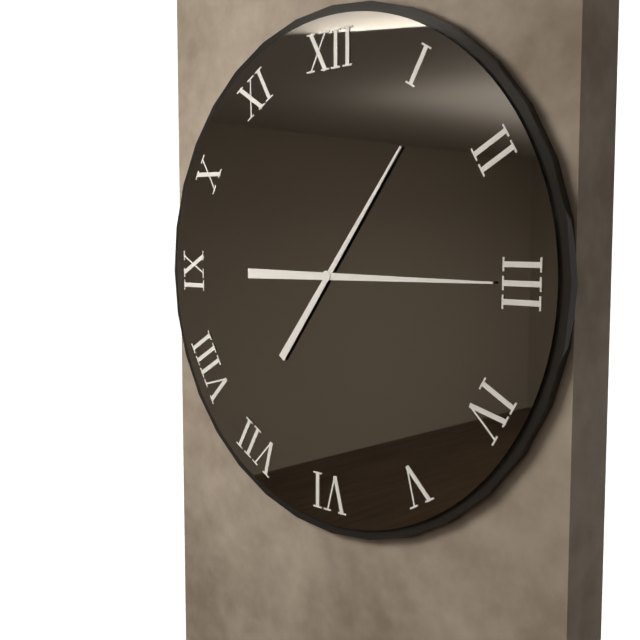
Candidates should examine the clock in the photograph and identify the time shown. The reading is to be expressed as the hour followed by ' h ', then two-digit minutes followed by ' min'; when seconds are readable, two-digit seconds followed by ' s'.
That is 1 h 15 min
